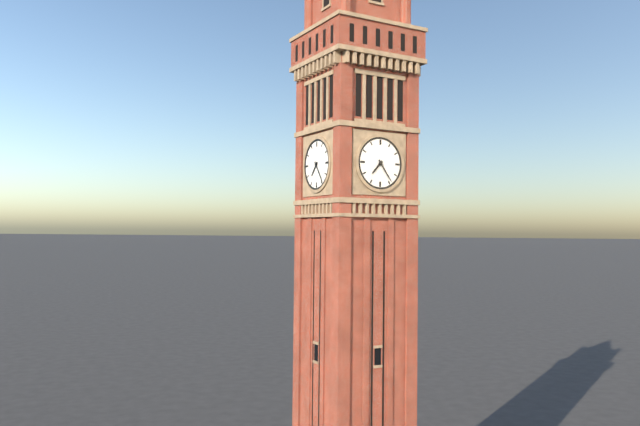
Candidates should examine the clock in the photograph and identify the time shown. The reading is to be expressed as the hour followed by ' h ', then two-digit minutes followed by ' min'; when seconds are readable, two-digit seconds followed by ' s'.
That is 7 h 24 min
